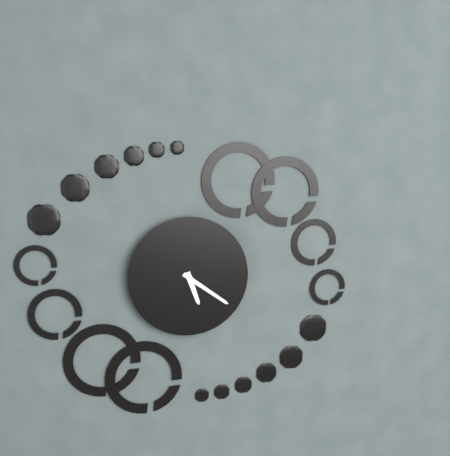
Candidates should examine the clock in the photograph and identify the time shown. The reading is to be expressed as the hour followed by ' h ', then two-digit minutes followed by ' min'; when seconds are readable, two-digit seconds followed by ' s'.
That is 5 h 21 min
